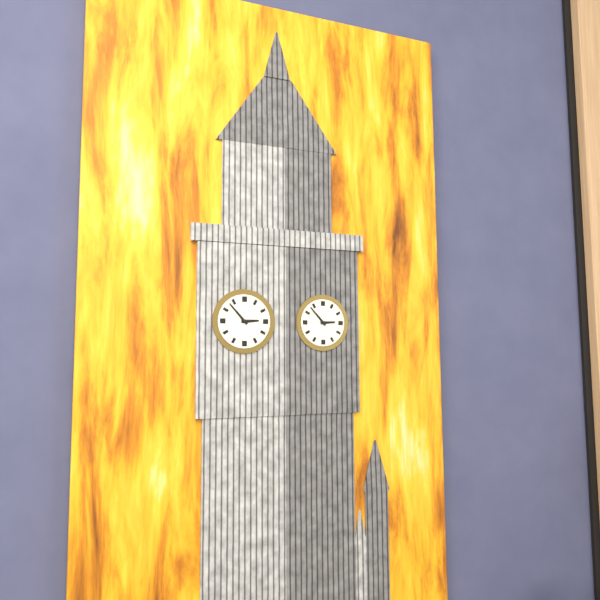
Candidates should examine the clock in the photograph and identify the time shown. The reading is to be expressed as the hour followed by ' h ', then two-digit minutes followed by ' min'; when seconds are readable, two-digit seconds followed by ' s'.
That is 2 h 53 min
